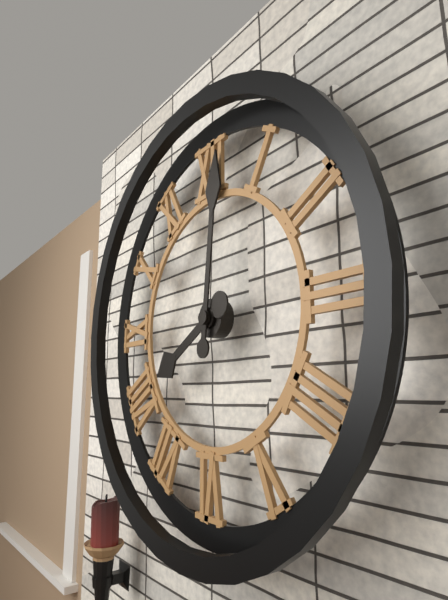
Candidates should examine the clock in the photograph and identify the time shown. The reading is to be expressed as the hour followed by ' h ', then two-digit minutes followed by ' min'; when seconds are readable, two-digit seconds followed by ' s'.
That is 8 h 01 min
